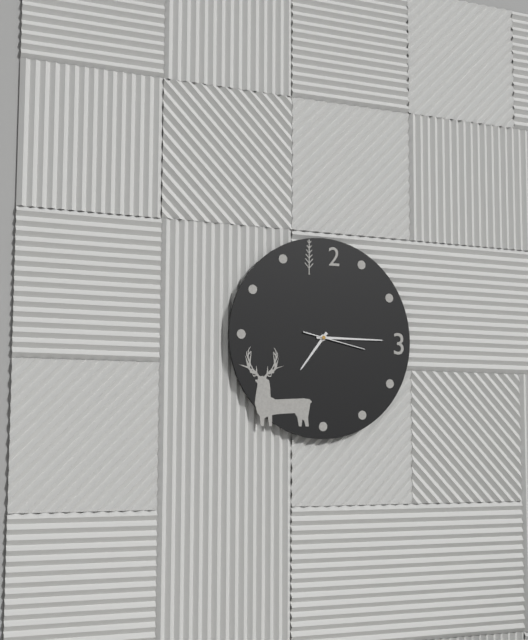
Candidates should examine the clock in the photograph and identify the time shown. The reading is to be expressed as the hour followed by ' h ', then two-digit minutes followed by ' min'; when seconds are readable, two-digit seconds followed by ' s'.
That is 7 h 15 min 17 s
